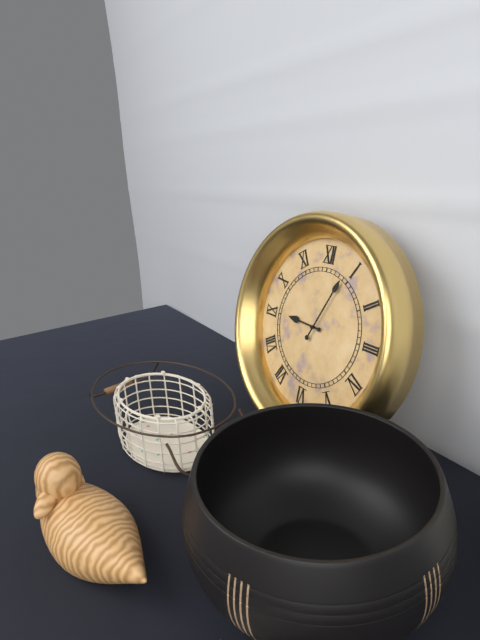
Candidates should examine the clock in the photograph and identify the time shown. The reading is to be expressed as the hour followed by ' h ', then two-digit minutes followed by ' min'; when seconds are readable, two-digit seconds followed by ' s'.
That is 9 h 04 min
